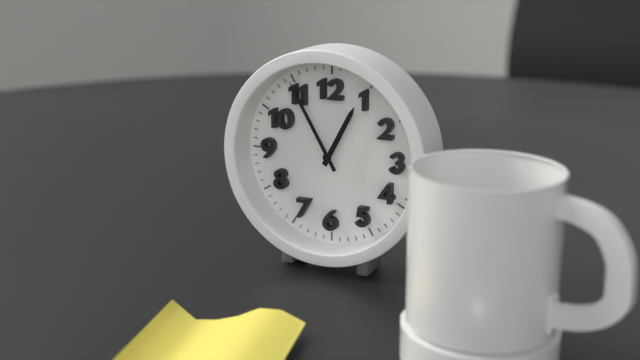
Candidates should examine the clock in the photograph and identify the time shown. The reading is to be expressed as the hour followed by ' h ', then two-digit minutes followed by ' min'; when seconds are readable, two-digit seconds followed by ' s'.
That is 12 h 55 min
